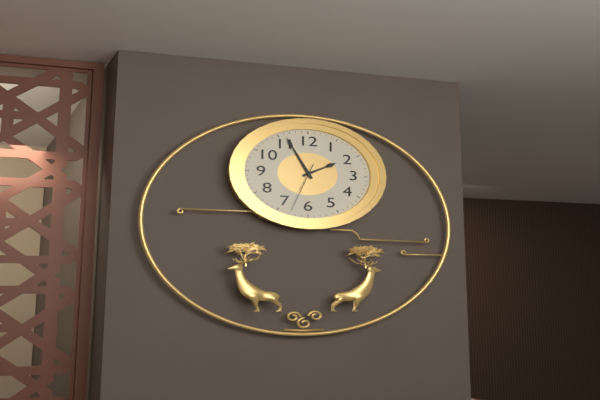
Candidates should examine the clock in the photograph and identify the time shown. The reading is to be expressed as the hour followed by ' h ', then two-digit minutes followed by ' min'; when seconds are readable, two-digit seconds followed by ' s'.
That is 1 h 56 min 33 s
